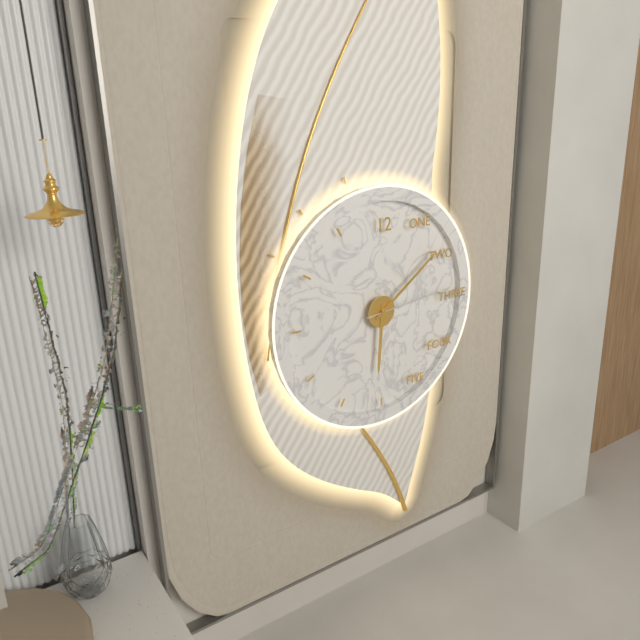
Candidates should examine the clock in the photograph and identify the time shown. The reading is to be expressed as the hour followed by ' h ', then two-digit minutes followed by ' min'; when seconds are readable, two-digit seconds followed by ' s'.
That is 6 h 09 min 14 s
